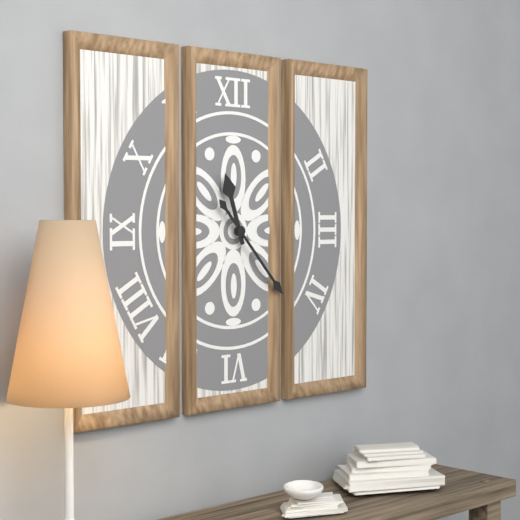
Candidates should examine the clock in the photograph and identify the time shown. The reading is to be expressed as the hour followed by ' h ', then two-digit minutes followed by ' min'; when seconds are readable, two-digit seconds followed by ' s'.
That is 11 h 23 min
